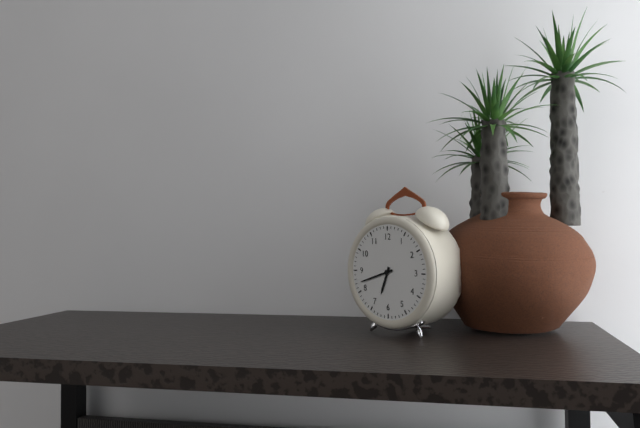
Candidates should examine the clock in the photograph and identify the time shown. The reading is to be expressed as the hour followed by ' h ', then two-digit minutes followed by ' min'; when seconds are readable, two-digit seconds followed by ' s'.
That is 6 h 42 min
